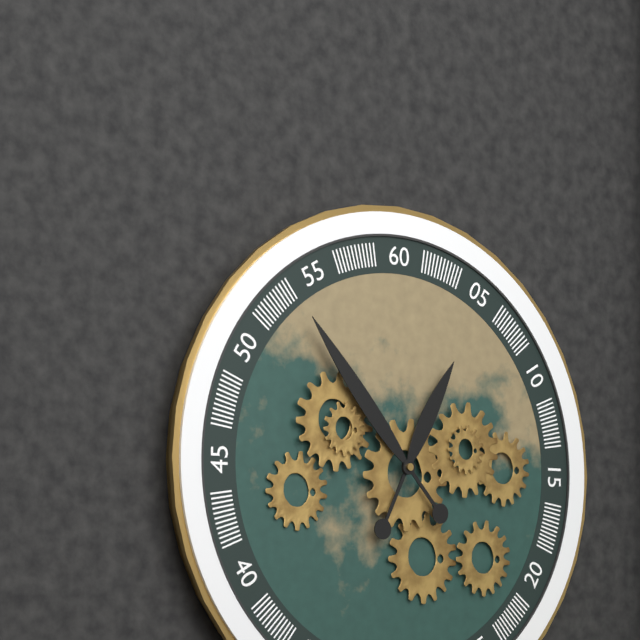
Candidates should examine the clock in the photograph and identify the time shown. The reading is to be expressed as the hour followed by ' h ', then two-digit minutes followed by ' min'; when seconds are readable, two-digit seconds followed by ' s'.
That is 12 h 53 min
